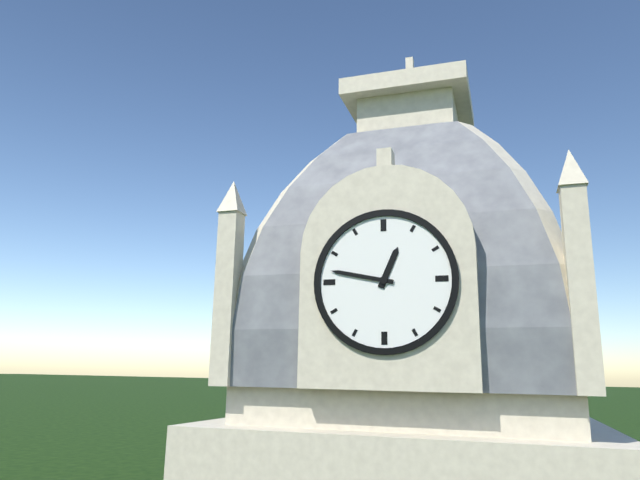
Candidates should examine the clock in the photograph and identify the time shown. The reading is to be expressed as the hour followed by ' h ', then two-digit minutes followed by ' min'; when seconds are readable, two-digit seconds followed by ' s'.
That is 12 h 47 min
